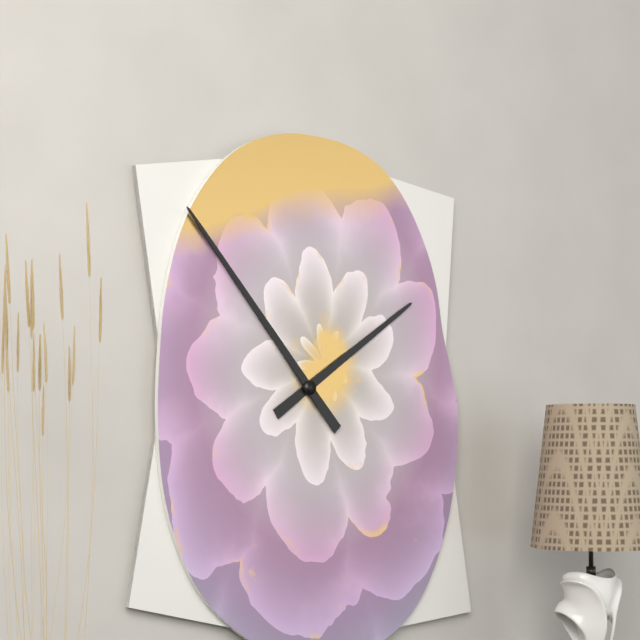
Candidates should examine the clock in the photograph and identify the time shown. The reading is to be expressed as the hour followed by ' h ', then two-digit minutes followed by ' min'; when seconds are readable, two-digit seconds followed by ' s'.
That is 1 h 53 min
